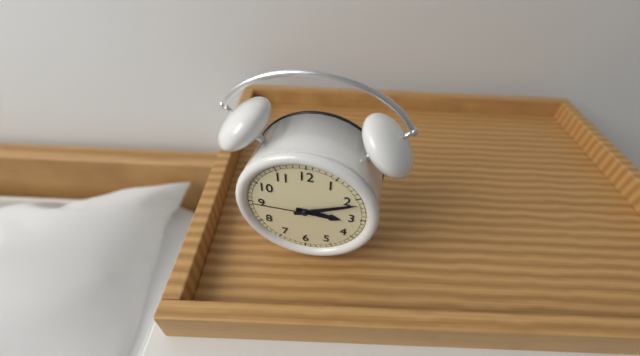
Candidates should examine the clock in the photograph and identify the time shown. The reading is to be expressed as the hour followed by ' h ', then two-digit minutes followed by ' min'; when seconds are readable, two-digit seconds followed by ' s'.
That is 3 h 11 min 45 s
